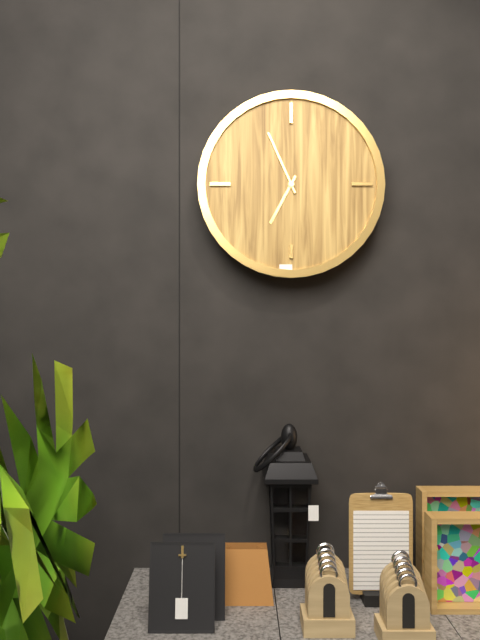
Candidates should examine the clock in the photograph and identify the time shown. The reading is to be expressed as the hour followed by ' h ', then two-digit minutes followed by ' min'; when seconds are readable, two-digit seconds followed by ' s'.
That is 6 h 56 min
